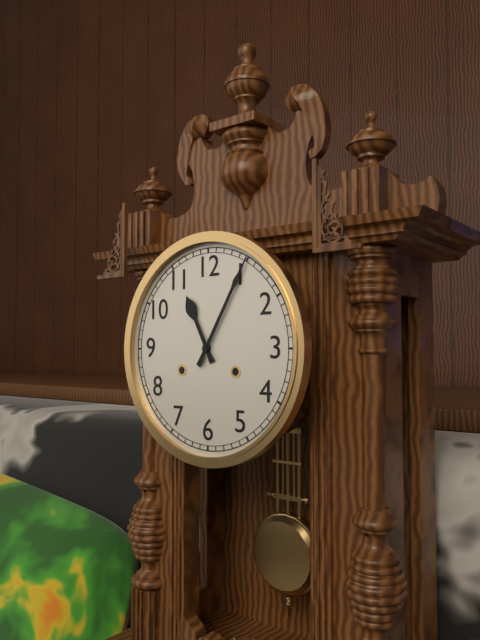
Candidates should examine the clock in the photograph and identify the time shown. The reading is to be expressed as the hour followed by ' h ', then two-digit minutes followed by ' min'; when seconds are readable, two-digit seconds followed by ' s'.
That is 11 h 05 min
